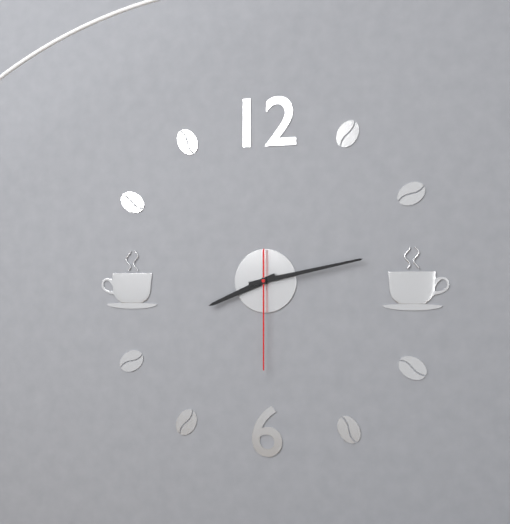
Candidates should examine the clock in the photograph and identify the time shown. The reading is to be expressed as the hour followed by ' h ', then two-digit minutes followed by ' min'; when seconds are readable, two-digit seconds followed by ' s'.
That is 8 h 13 min 30 s
